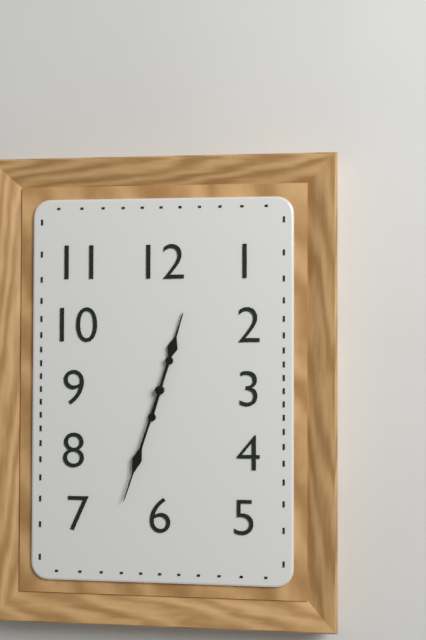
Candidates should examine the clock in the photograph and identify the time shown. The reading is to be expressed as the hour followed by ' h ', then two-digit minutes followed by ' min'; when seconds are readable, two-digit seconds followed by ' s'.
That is 12 h 33 min
